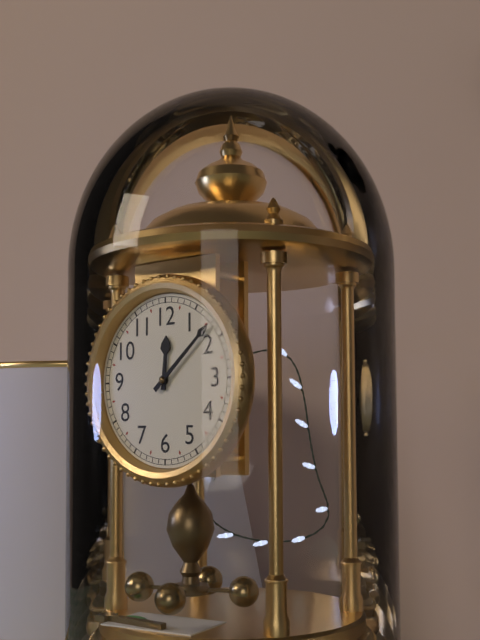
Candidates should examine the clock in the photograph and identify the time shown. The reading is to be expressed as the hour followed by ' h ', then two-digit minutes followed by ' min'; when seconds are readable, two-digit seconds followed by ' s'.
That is 12 h 08 min
